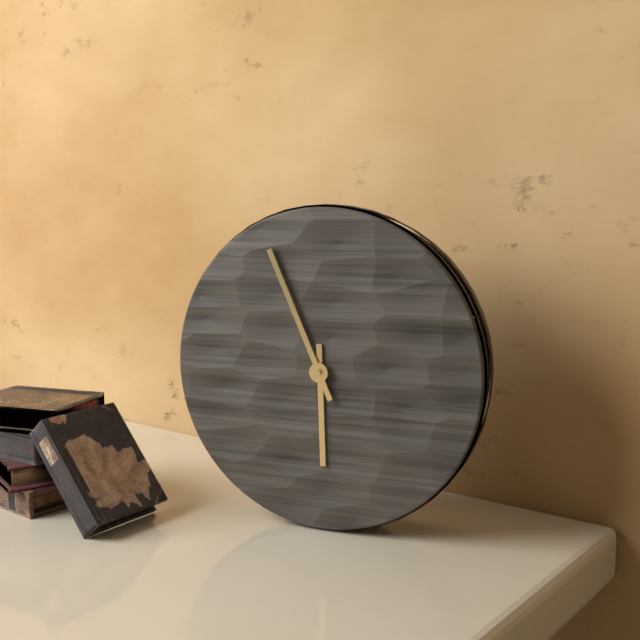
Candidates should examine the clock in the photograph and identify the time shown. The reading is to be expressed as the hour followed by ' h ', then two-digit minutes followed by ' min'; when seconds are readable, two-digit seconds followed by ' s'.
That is 5 h 56 min
